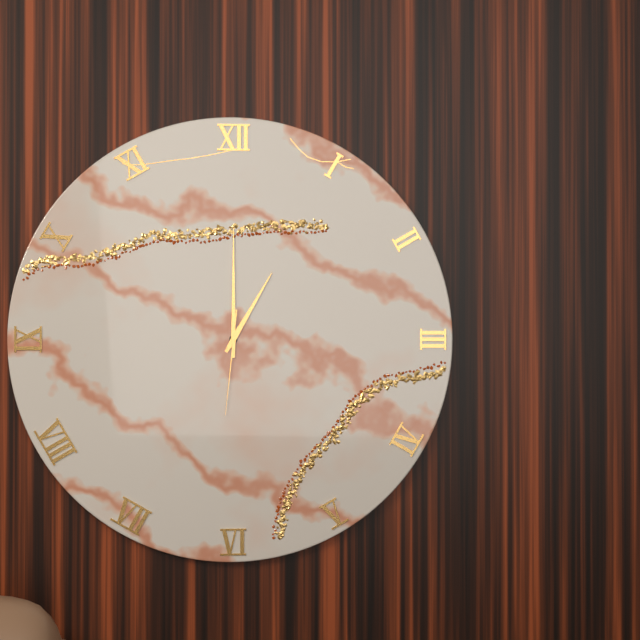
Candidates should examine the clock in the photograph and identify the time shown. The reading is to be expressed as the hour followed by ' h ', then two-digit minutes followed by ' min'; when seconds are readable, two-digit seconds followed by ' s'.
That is 1 h 00 min 31 s
